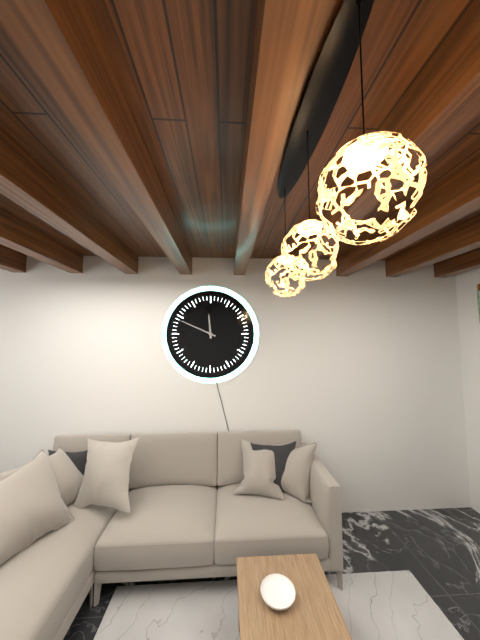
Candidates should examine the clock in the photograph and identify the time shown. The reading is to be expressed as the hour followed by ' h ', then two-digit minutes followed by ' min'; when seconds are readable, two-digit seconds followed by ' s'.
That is 11 h 49 min
